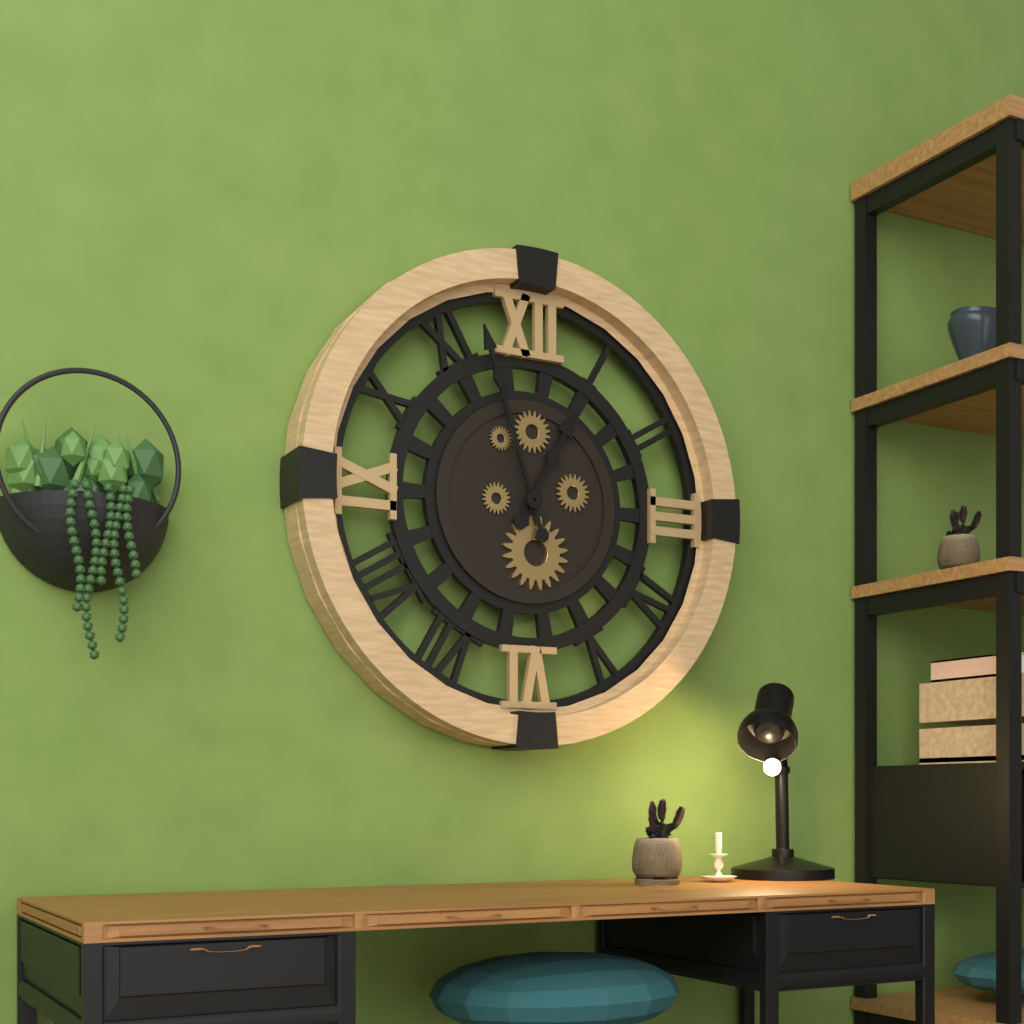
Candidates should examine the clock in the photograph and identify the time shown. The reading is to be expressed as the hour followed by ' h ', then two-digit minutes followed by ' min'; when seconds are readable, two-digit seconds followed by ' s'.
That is 12 h 57 min
